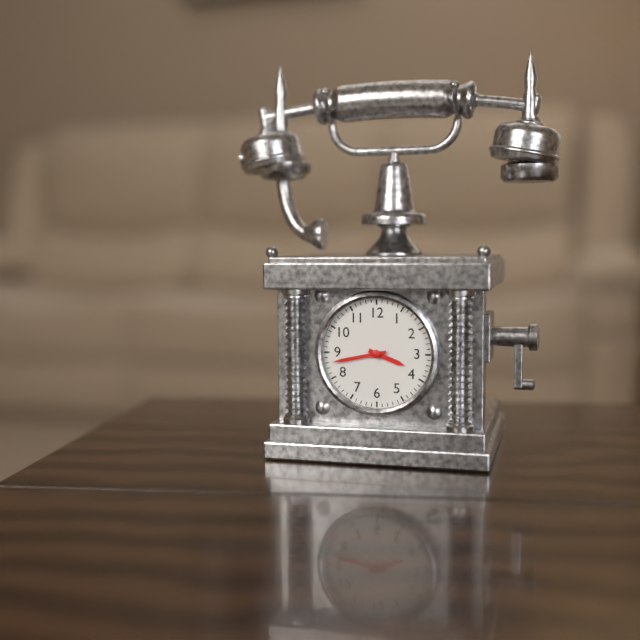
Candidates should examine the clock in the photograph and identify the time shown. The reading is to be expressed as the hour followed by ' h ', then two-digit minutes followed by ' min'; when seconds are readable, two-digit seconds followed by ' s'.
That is 3 h 43 min
